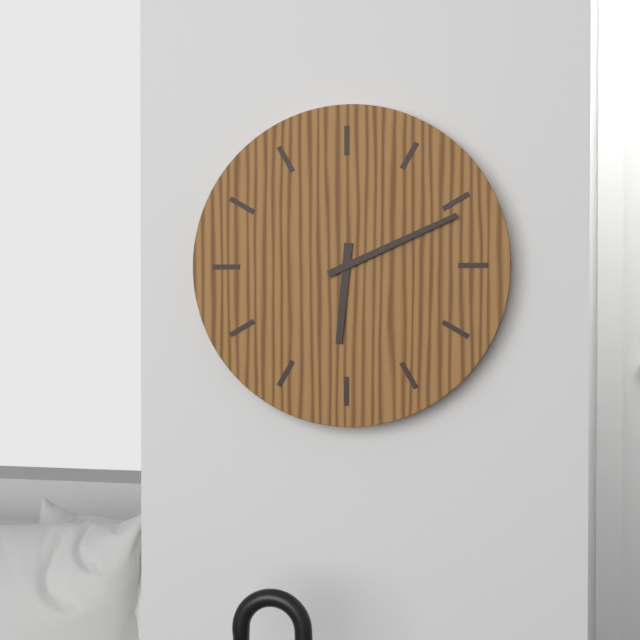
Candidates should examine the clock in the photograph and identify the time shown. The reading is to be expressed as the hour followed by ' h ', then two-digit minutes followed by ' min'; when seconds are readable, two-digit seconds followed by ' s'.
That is 6 h 11 min
